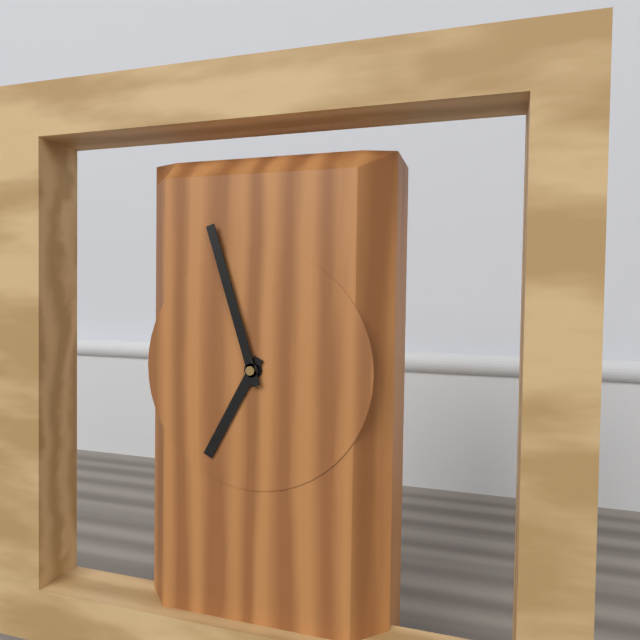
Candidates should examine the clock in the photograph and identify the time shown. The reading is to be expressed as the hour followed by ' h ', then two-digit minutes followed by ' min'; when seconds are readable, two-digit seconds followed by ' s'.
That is 6 h 57 min
